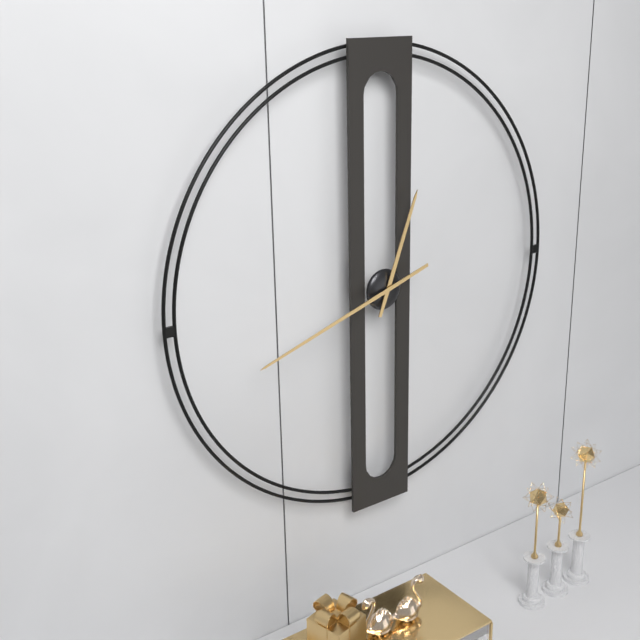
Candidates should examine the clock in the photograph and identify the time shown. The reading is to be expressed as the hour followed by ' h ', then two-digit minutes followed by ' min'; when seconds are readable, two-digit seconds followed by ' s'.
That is 12 h 42 min
